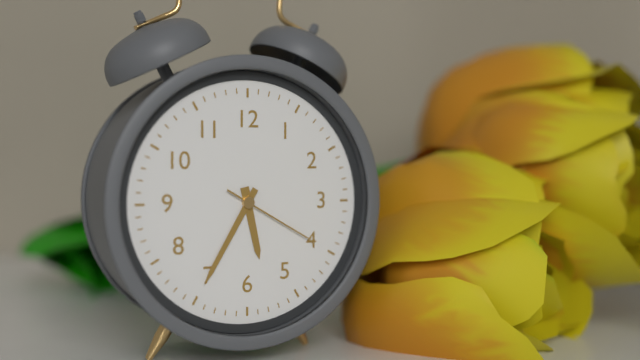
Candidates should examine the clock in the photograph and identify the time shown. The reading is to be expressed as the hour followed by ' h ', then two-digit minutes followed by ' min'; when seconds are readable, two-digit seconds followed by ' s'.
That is 5 h 35 min 20 s
